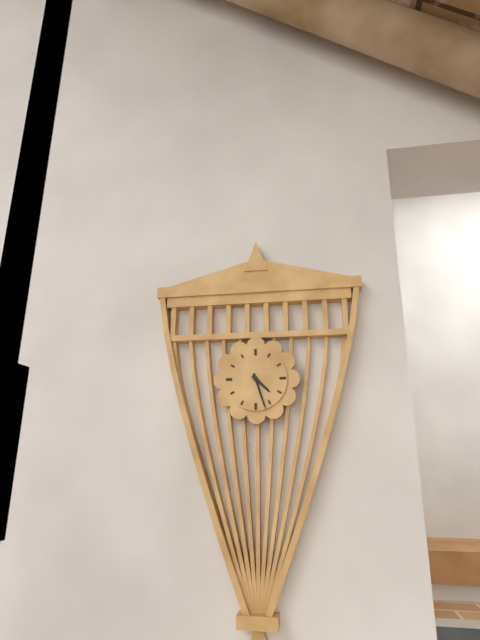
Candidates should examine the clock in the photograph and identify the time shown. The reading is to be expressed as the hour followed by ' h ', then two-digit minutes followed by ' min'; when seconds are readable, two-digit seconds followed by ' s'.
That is 4 h 27 min
